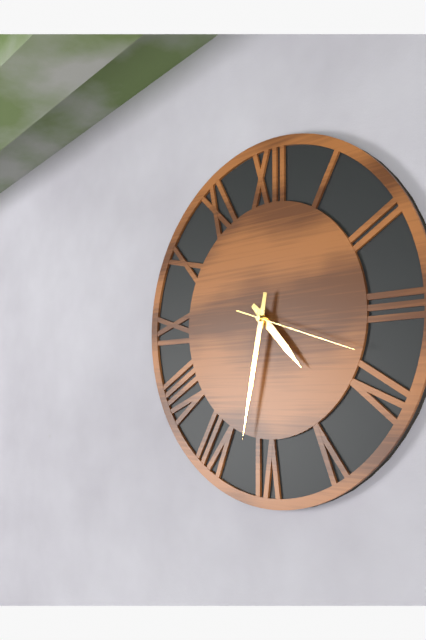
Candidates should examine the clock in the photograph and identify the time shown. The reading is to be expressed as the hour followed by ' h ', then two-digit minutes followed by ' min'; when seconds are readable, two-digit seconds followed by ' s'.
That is 4 h 32 min 18 s
